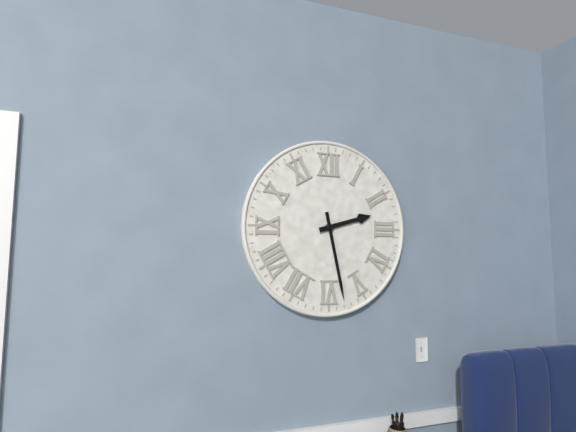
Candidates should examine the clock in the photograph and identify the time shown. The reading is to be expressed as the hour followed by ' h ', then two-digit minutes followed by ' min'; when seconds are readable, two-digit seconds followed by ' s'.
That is 2 h 28 min
